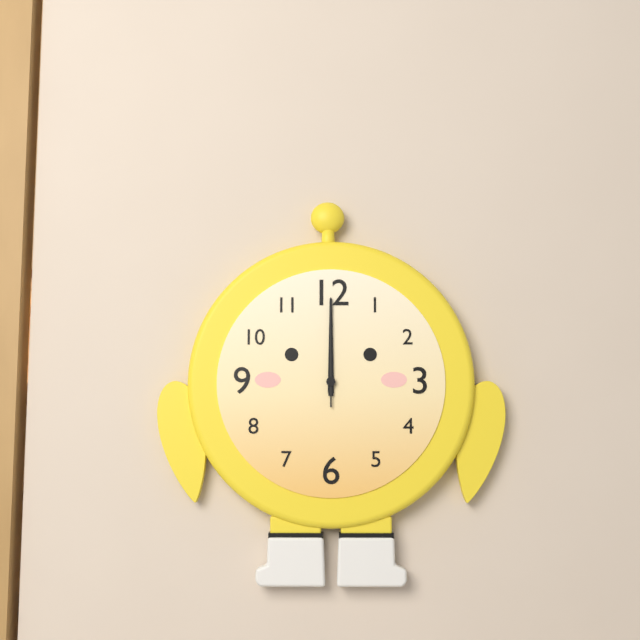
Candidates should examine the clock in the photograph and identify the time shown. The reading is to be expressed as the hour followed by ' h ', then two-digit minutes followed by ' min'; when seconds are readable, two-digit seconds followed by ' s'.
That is 12 h 00 min 00 s
